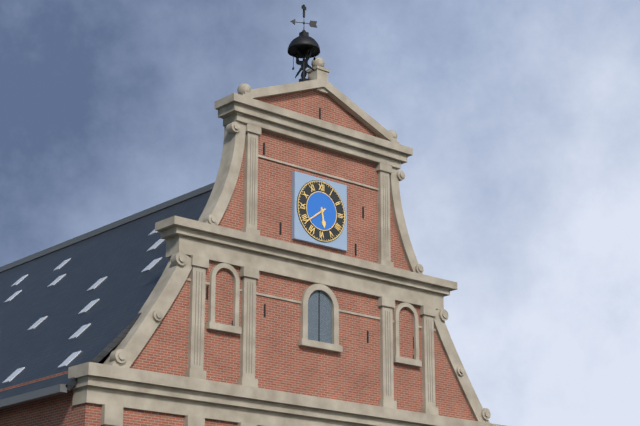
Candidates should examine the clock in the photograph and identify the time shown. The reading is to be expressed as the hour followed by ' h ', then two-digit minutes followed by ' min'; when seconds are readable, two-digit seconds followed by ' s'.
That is 5 h 39 min
